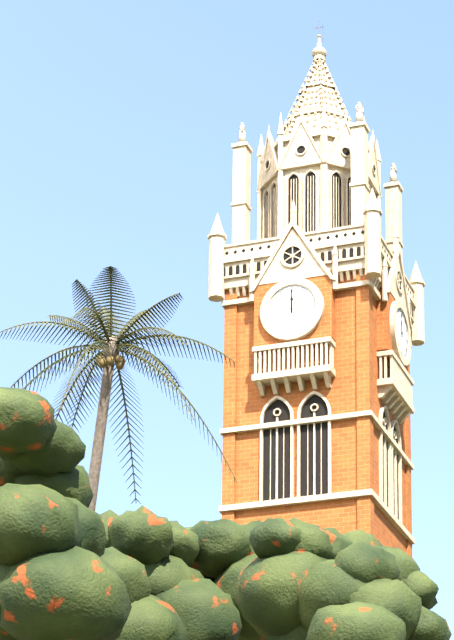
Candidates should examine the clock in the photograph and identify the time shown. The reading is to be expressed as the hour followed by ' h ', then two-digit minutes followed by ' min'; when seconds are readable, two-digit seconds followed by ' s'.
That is 12 h 00 min
